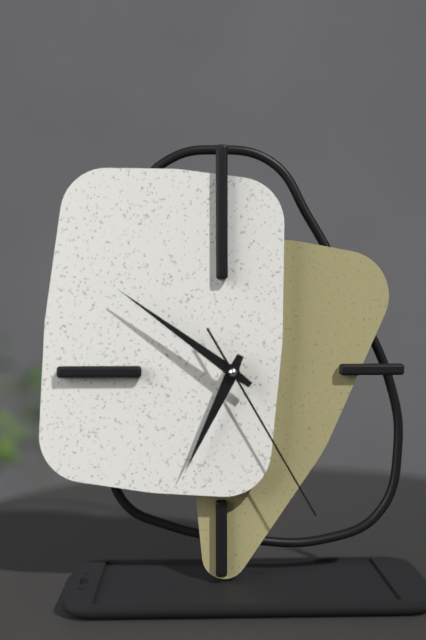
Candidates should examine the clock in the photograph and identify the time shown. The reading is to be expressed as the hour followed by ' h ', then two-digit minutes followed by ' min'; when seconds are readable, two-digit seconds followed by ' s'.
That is 6 h 51 min 25 s
